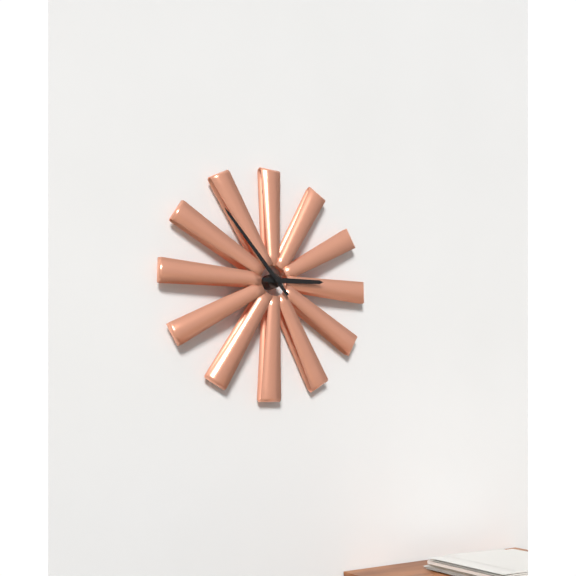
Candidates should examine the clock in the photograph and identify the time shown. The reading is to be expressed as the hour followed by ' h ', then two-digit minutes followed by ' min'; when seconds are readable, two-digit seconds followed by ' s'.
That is 2 h 53 min
